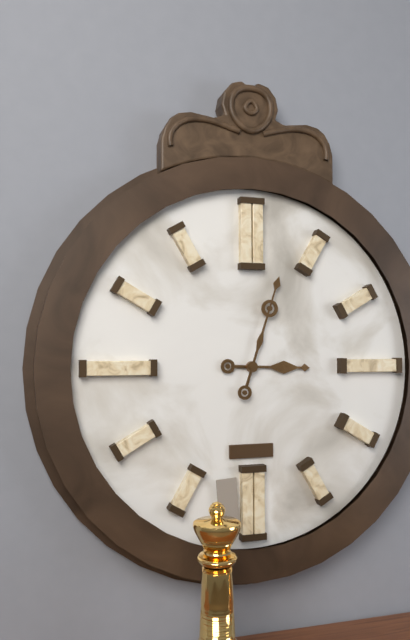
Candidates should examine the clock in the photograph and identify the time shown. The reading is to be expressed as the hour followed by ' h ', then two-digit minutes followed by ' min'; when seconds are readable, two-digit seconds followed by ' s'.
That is 3 h 03 min
